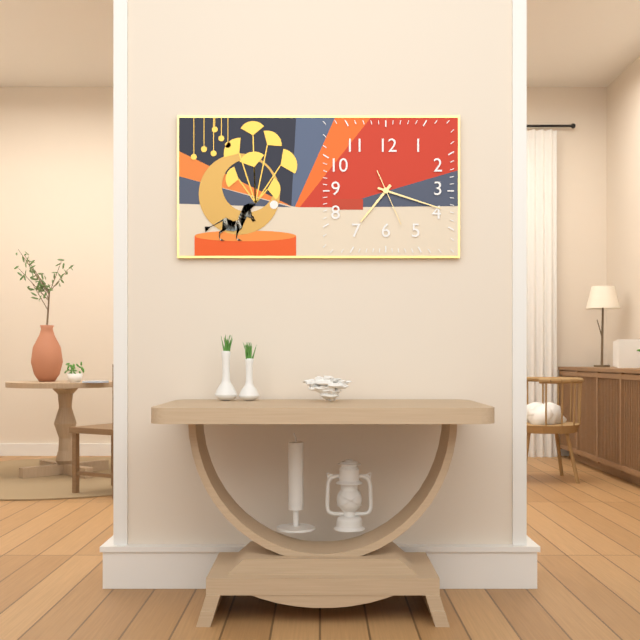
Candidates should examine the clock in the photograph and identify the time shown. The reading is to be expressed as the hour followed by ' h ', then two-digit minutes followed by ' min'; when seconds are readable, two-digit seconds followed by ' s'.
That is 7 h 18 min
